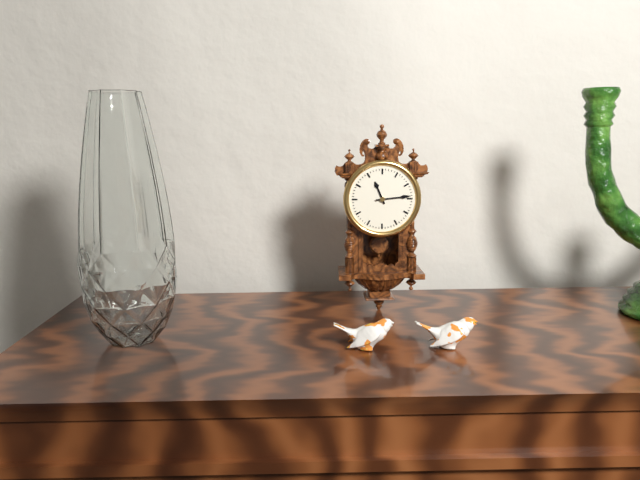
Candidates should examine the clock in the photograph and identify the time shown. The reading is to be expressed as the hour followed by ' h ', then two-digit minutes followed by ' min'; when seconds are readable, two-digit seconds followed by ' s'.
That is 11 h 14 min
